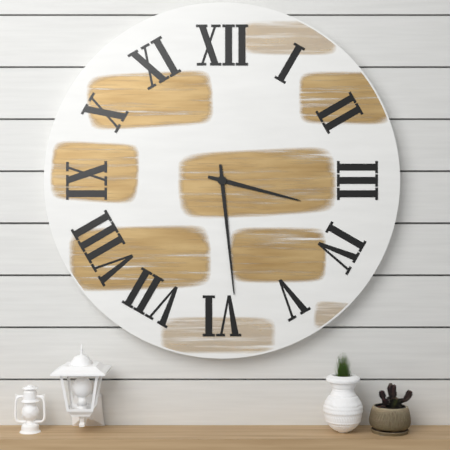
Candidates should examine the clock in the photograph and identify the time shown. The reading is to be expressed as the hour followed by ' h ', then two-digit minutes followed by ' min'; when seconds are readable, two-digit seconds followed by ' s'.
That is 3 h 29 min
